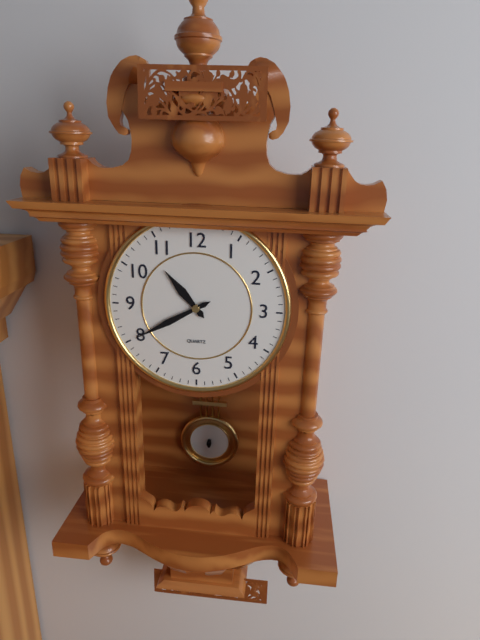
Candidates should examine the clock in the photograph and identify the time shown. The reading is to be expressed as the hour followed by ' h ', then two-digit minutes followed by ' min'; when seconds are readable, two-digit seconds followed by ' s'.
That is 10 h 40 min
